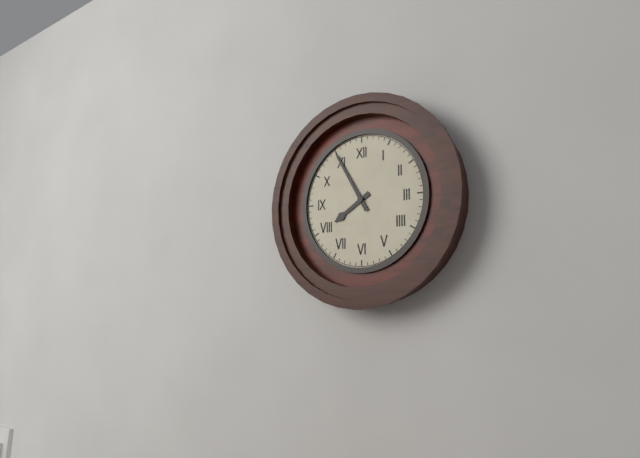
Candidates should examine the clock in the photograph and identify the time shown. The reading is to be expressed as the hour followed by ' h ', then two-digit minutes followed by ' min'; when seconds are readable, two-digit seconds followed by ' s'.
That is 7 h 55 min
